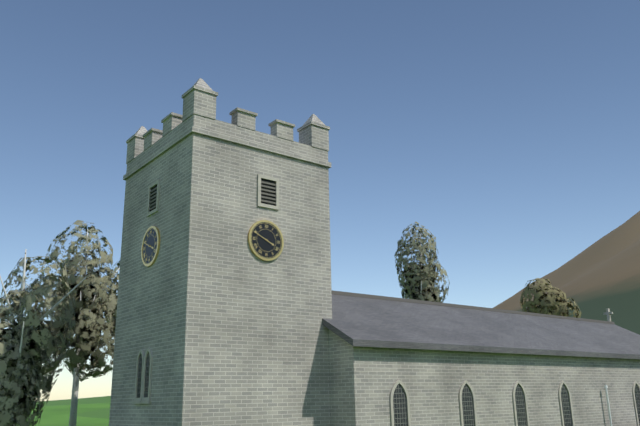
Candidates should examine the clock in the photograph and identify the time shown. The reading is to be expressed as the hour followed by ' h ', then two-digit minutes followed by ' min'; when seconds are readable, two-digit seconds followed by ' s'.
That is 3 h 49 min
